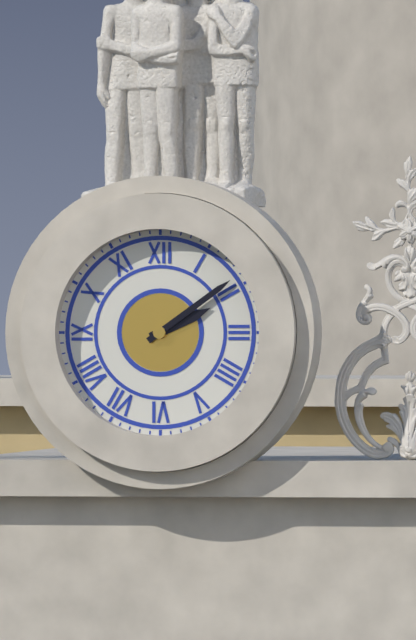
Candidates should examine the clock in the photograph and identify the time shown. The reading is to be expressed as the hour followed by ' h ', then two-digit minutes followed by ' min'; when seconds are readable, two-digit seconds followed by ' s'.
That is 2 h 09 min
